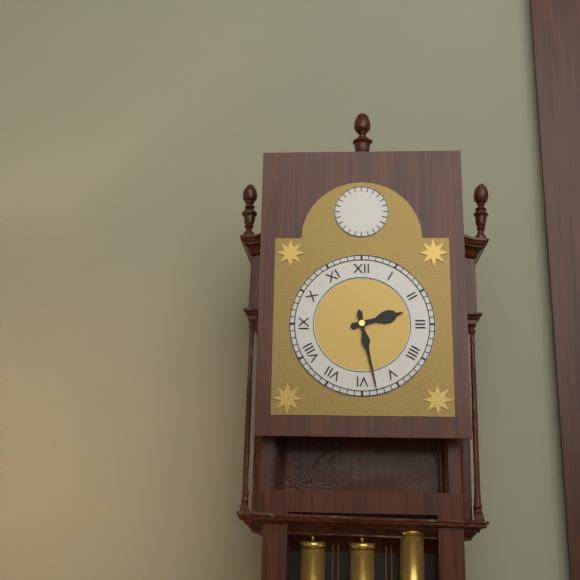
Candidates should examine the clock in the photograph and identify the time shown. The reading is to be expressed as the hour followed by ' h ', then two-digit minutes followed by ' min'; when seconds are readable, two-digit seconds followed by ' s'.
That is 2 h 28 min
